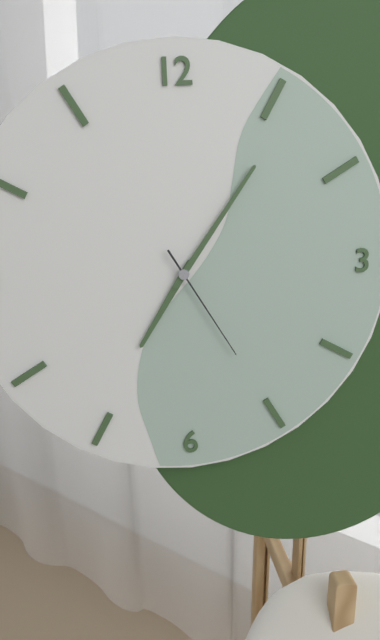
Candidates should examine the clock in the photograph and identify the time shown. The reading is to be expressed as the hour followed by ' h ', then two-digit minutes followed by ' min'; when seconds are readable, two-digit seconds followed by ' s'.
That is 7 h 06 min 25 s
